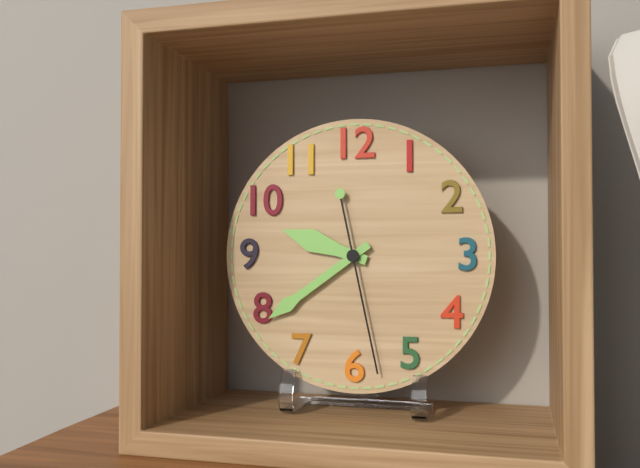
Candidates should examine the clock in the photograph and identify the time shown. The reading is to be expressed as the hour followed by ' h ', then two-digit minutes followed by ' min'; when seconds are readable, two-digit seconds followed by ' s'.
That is 9 h 39 min 28 s
